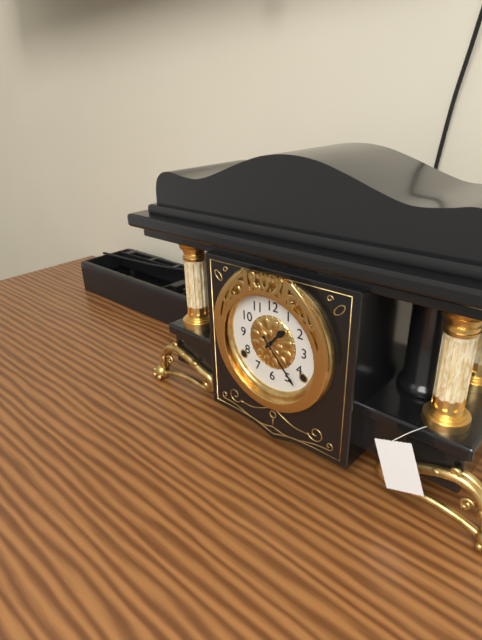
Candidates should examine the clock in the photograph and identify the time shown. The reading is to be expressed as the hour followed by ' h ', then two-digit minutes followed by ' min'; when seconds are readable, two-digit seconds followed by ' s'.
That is 1 h 23 min
